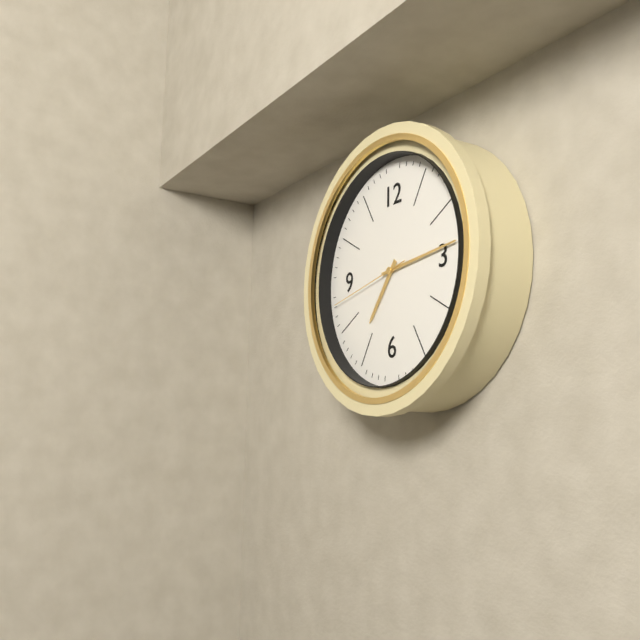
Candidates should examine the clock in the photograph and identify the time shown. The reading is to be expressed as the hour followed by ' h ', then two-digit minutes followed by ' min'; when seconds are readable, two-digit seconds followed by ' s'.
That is 7 h 14 min 43 s
